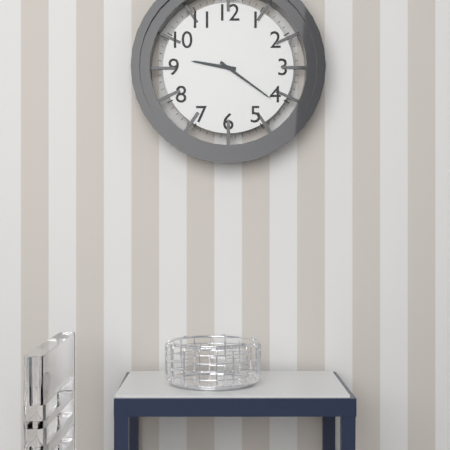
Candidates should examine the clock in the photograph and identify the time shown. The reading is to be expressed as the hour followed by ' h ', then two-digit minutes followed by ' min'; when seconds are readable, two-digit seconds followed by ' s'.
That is 9 h 21 min
